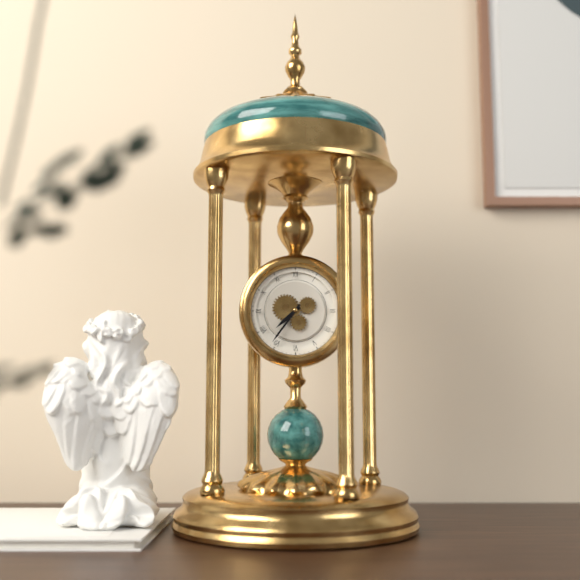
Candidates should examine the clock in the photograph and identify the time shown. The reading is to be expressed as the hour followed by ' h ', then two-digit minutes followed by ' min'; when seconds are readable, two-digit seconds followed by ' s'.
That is 7 h 36 min
